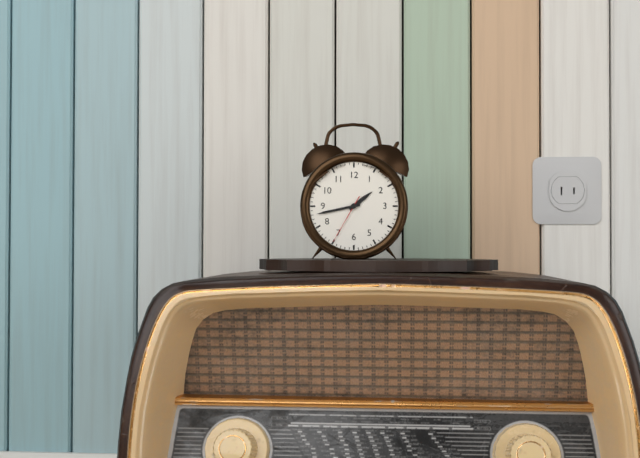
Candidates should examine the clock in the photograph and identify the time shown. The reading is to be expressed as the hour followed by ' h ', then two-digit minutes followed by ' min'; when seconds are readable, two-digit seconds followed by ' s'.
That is 1 h 43 min 35 s
